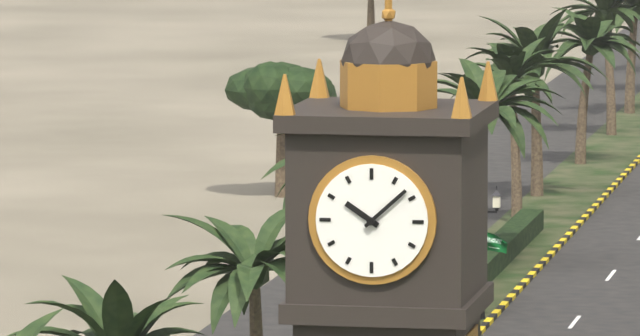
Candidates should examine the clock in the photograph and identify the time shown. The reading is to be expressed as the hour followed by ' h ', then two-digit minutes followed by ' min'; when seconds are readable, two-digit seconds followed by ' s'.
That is 10 h 08 min
